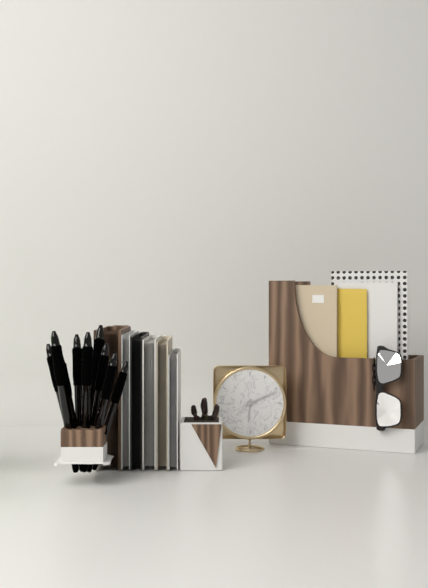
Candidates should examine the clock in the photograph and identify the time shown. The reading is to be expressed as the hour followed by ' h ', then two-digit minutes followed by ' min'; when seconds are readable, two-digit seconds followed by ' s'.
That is 6 h 11 min
